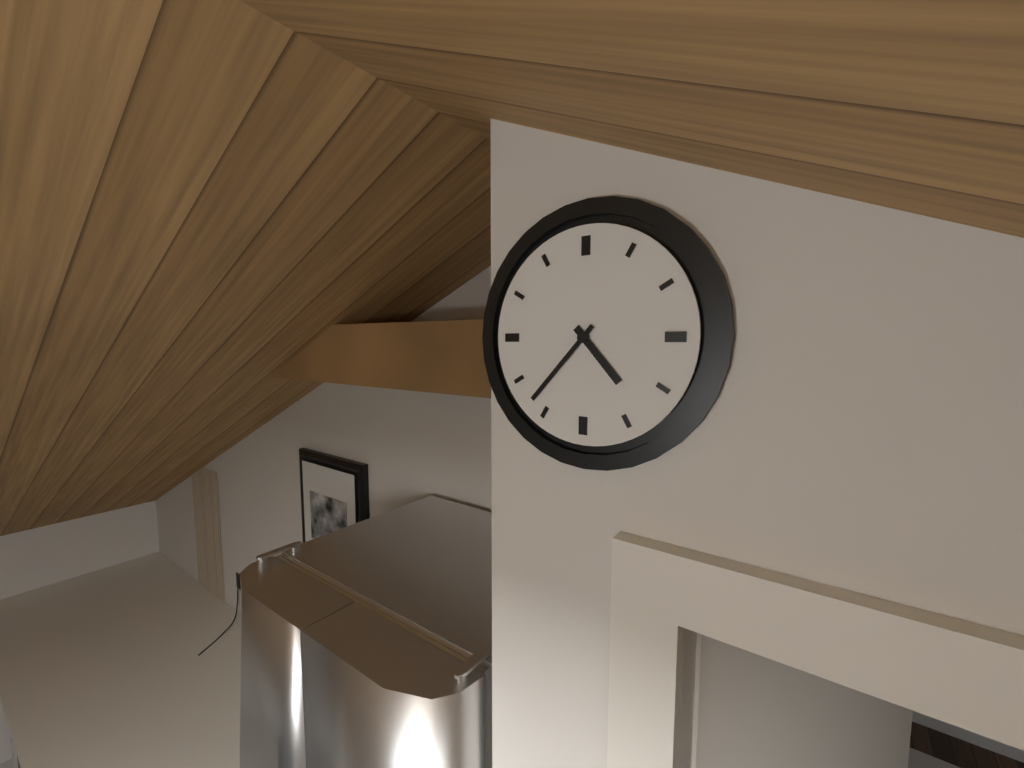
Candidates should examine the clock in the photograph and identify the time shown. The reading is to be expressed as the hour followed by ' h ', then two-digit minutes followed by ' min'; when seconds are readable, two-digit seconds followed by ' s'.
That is 4 h 37 min
